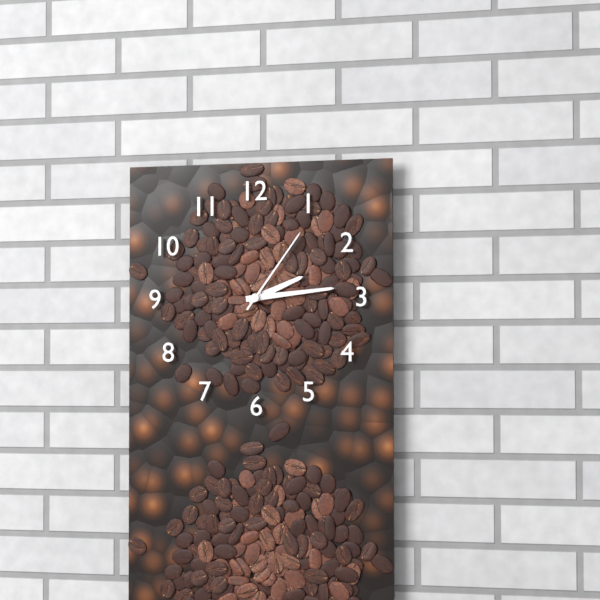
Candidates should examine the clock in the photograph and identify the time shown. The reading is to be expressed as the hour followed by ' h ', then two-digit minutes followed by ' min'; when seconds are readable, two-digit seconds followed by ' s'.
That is 2 h 14 min 06 s
